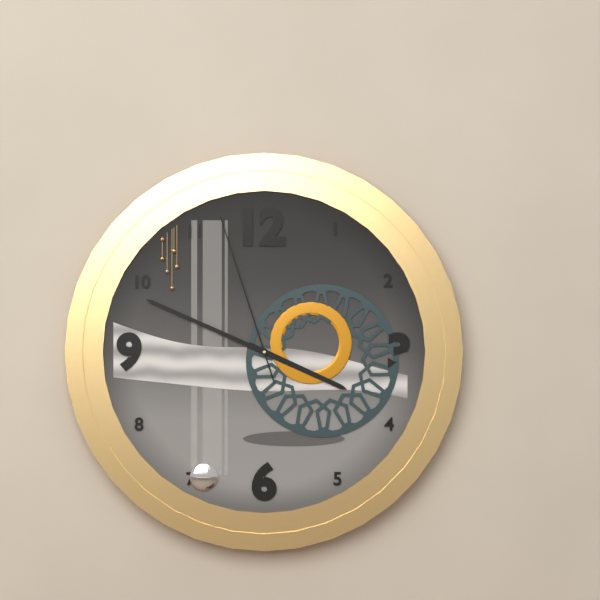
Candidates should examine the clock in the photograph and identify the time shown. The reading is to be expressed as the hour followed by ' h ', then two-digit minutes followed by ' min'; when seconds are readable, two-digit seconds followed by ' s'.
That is 3 h 49 min 57 s
